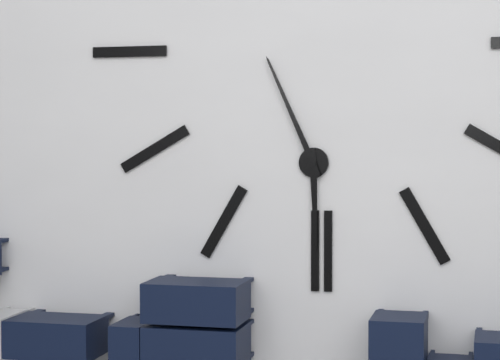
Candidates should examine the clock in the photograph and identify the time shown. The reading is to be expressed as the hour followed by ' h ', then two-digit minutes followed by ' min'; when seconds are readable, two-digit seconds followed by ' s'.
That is 5 h 56 min
